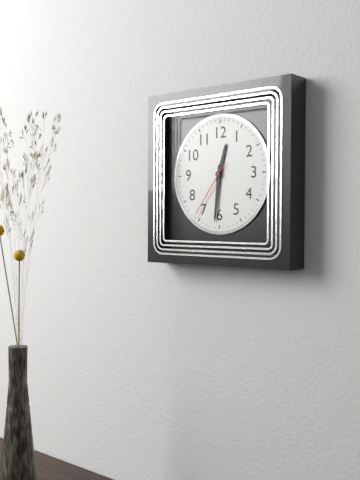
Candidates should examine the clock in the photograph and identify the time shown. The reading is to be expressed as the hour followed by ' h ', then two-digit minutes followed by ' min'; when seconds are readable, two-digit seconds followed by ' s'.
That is 12 h 31 min 36 s
